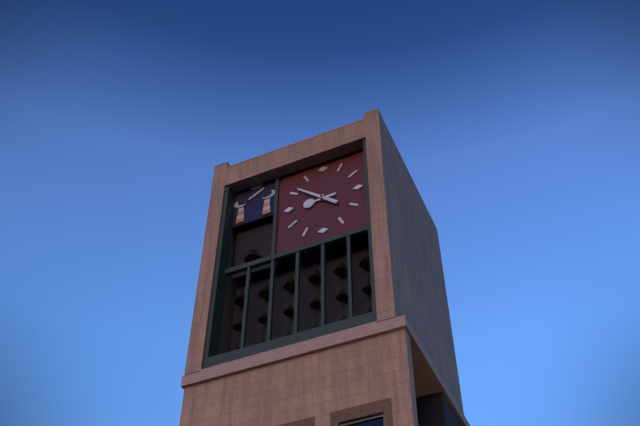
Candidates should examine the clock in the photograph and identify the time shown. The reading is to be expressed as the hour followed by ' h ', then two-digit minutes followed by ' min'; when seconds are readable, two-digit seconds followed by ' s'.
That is 8 h 52 min
